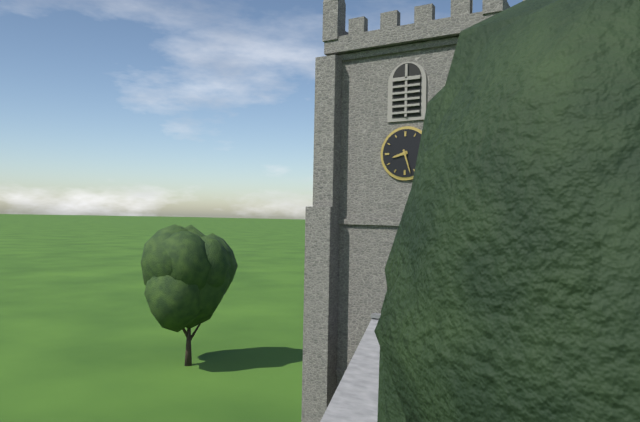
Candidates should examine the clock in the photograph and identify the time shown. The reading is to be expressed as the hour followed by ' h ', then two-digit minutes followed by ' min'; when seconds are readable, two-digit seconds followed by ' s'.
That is 8 h 27 min
